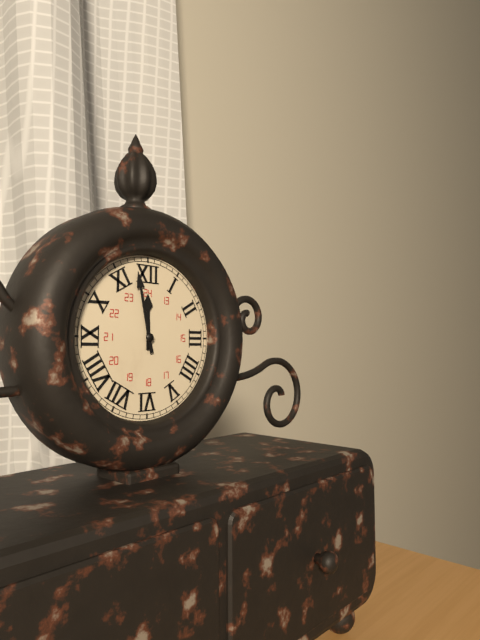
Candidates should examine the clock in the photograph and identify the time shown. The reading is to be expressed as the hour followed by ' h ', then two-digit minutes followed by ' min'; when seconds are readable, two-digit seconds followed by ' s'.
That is 11 h 58 min
